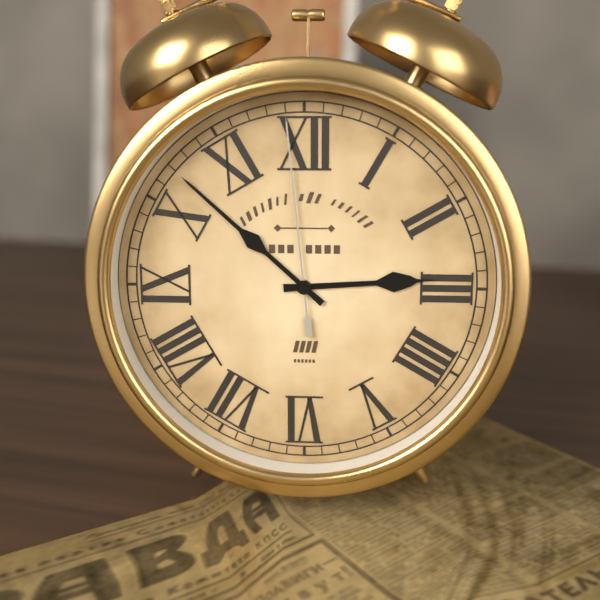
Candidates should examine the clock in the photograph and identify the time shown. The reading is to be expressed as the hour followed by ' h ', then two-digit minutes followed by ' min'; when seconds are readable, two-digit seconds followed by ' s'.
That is 2 h 52 min 59 s
